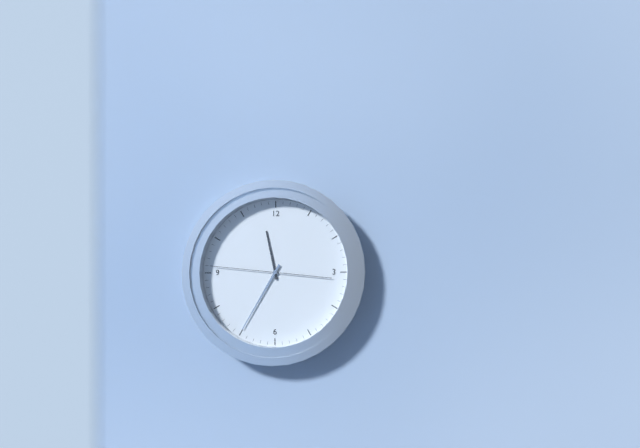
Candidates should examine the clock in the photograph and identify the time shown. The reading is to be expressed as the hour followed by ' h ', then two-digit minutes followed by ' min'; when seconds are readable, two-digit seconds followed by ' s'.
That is 11 h 35 min 46 s
